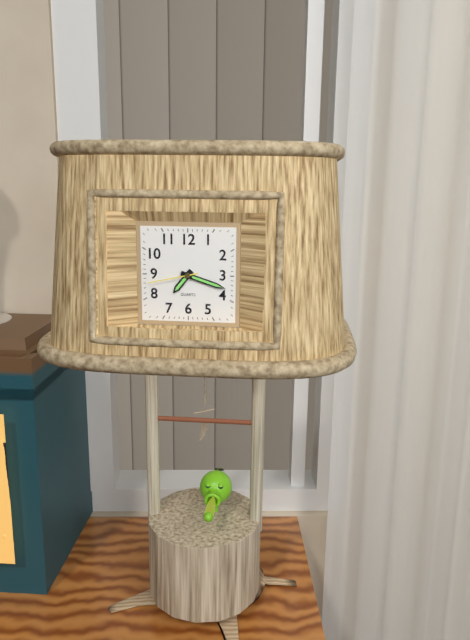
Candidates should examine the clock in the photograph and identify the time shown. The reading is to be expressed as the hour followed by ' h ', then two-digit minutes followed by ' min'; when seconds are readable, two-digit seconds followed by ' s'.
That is 7 h 18 min 43 s
